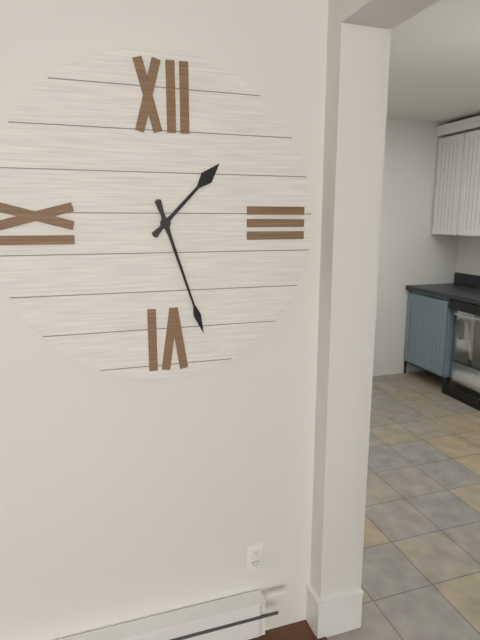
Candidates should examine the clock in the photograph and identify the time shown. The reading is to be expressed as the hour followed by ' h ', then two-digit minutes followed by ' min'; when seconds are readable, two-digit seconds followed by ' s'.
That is 1 h 27 min
